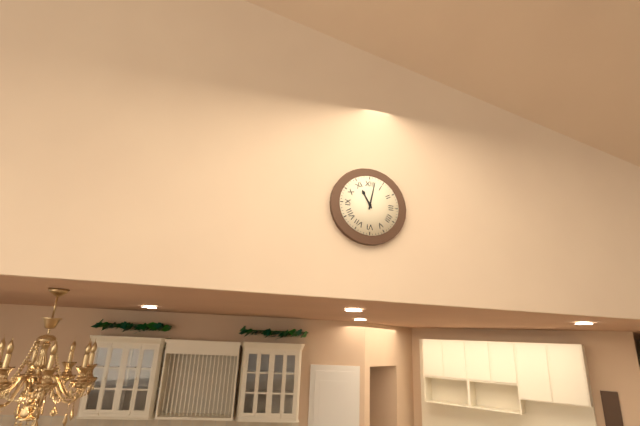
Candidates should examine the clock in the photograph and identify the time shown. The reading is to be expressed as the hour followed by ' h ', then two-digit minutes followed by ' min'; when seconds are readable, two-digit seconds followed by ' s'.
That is 11 h 02 min
